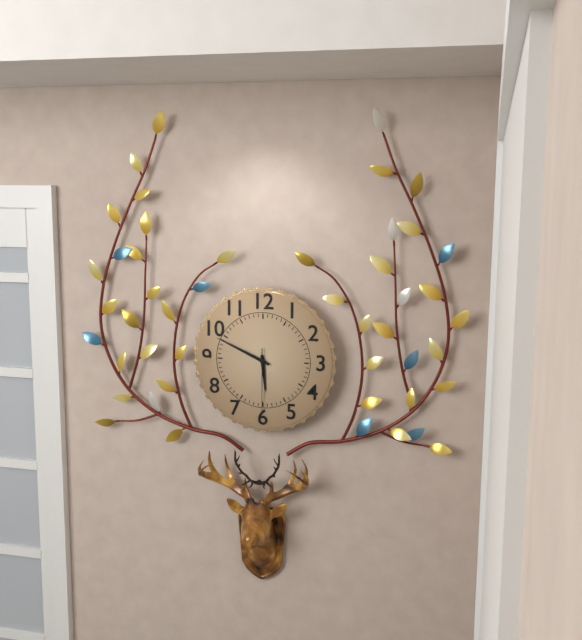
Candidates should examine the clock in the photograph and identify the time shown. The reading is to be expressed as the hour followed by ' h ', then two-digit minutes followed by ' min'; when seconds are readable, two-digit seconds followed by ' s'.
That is 5 h 49 min 30 s
